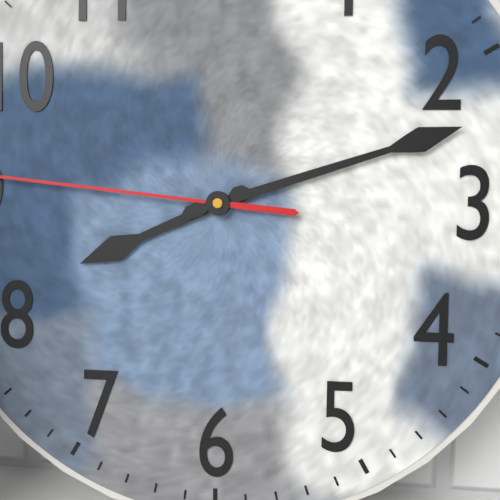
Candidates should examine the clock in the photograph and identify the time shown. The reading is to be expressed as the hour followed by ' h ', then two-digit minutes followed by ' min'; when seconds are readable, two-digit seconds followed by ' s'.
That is 8 h 12 min
